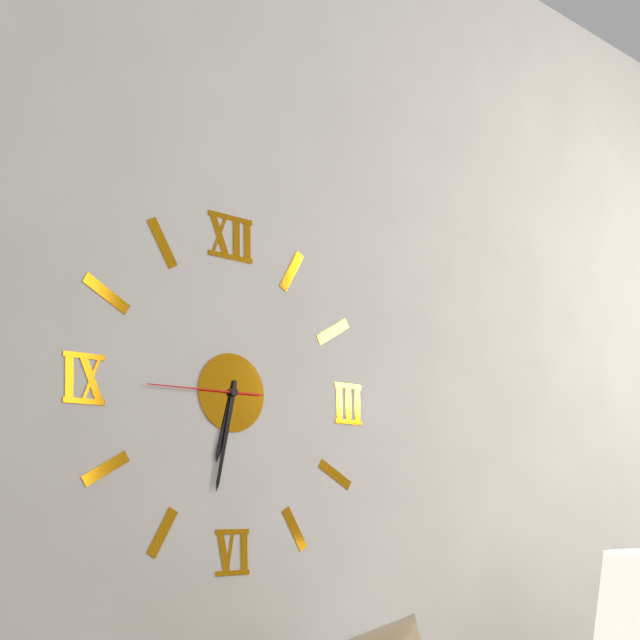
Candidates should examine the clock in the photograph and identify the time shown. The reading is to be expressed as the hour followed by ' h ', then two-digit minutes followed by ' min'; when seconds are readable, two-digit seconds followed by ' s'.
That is 6 h 32 min 45 s
